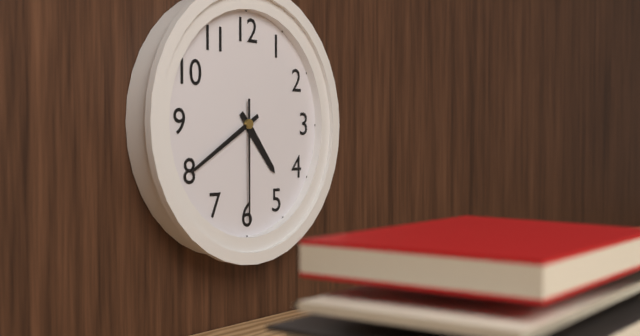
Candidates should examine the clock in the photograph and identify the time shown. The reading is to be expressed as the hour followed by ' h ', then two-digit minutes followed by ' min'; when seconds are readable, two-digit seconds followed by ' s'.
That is 4 h 40 min 30 s
